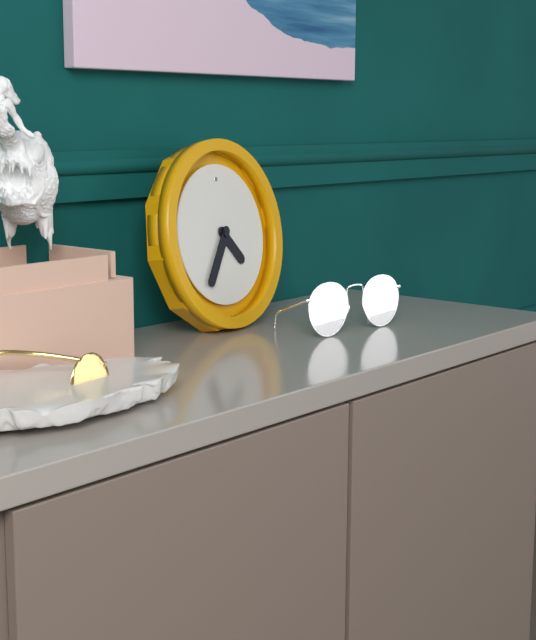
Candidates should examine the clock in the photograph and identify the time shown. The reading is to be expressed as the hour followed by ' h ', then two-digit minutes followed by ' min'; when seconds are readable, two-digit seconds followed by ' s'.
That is 4 h 36 min
